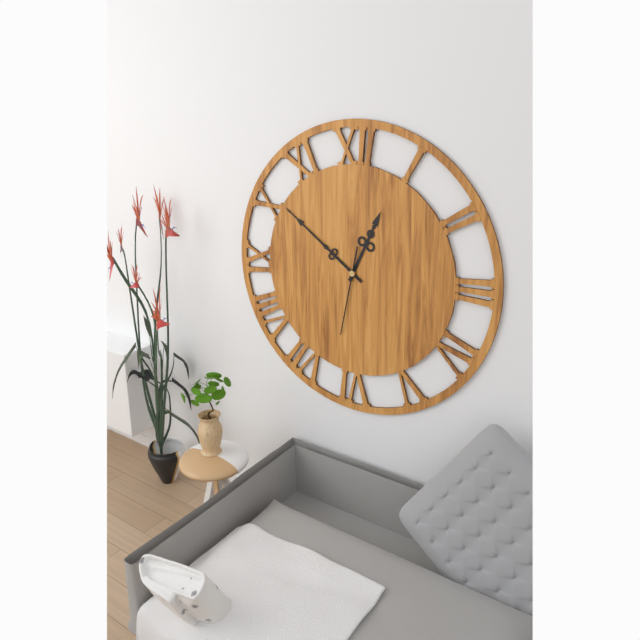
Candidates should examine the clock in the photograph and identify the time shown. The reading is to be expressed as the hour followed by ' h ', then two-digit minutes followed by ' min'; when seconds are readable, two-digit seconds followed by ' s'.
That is 12 h 51 min 32 s
